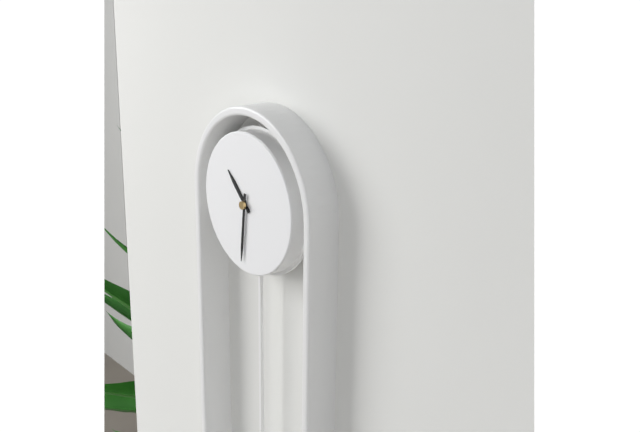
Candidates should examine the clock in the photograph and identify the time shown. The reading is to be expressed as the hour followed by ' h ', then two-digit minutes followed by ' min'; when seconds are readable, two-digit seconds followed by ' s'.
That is 10 h 31 min
